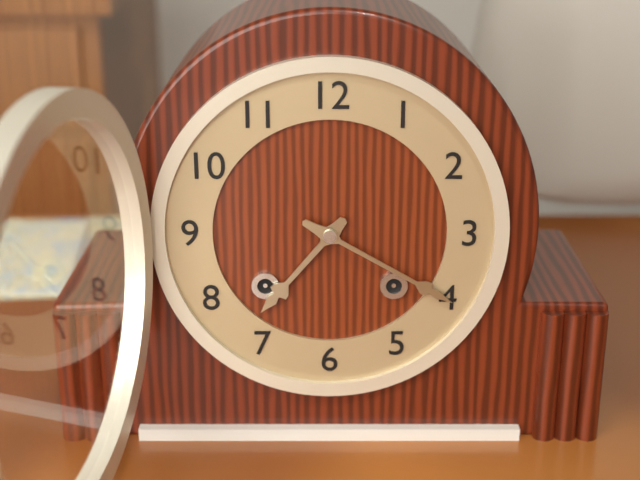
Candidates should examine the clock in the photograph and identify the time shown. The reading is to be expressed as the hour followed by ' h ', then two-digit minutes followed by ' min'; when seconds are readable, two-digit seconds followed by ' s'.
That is 7 h 20 min
